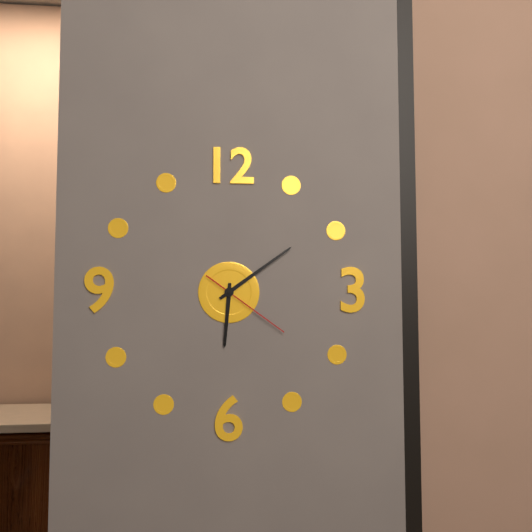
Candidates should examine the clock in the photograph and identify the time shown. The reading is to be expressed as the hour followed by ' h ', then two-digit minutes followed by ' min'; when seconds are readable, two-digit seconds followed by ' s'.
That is 6 h 09 min 21 s
